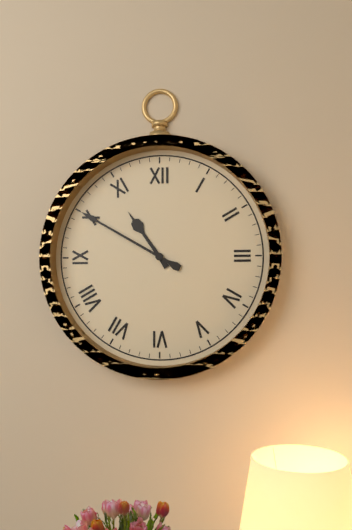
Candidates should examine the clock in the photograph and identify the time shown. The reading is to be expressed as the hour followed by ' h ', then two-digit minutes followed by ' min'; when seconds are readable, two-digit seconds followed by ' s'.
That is 10 h 50 min
